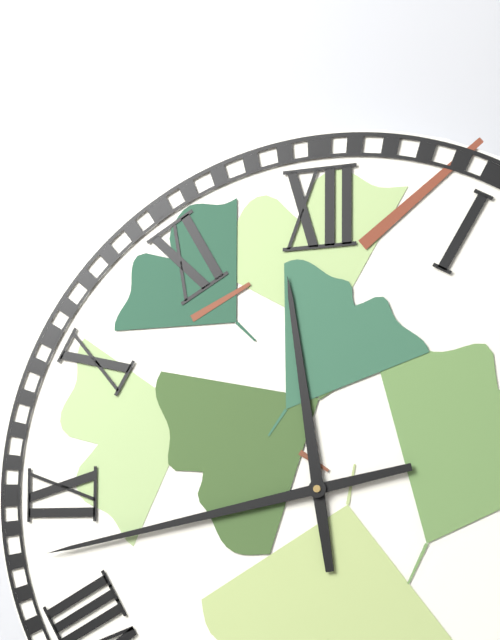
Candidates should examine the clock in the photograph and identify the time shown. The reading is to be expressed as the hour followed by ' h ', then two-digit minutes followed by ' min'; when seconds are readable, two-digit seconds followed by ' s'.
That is 11 h 43 min
